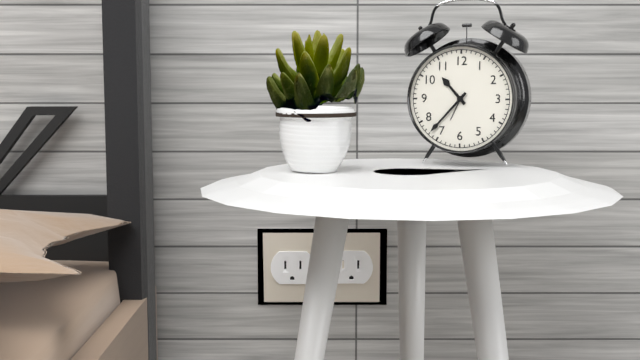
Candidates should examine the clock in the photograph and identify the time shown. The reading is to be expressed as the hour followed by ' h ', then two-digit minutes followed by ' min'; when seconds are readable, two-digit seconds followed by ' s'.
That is 10 h 37 min
